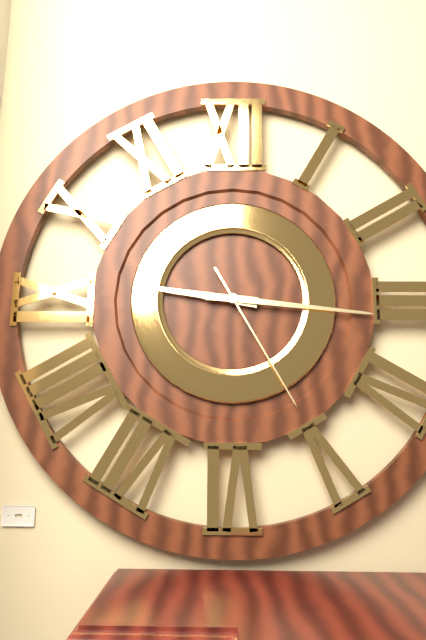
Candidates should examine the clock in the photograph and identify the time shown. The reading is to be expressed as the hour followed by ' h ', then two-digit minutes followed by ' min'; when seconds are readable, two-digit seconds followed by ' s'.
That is 9 h 16 min 25 s
